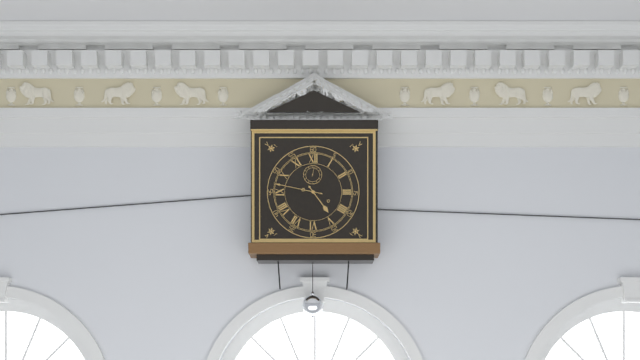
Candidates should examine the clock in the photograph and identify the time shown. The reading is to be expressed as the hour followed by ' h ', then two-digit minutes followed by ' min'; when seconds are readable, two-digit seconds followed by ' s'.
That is 4 h 47 min
